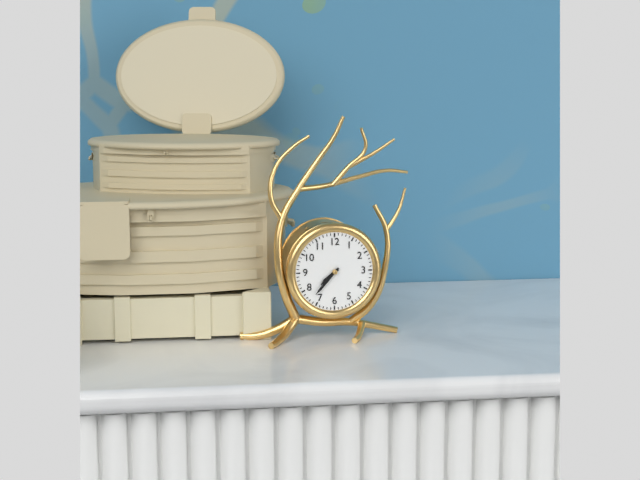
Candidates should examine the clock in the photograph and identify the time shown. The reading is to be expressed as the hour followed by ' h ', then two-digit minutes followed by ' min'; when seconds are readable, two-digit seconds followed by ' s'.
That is 7 h 37 min
